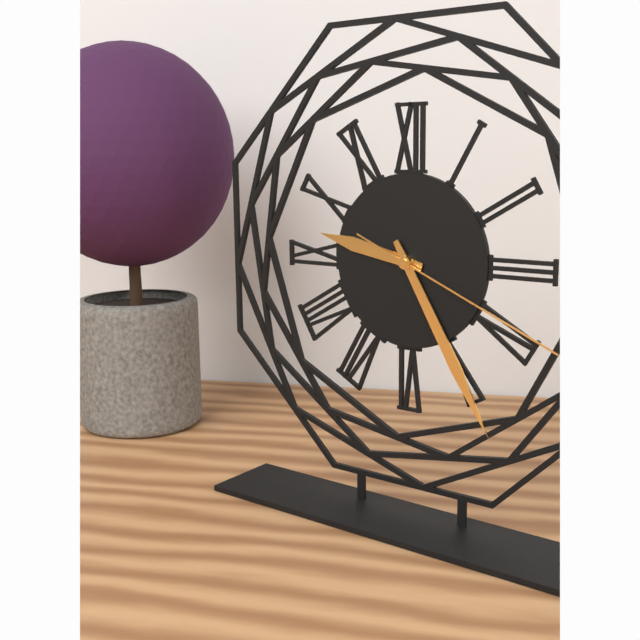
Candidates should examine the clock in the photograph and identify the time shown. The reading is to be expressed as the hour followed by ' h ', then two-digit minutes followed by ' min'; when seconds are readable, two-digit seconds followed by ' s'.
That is 9 h 25 min 19 s
